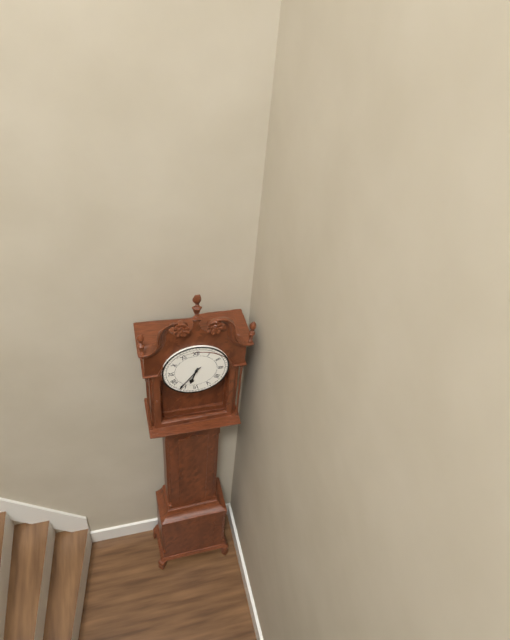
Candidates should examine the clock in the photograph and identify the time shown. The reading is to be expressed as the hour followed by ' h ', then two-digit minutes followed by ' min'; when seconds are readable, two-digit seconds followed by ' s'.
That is 6 h 36 min
